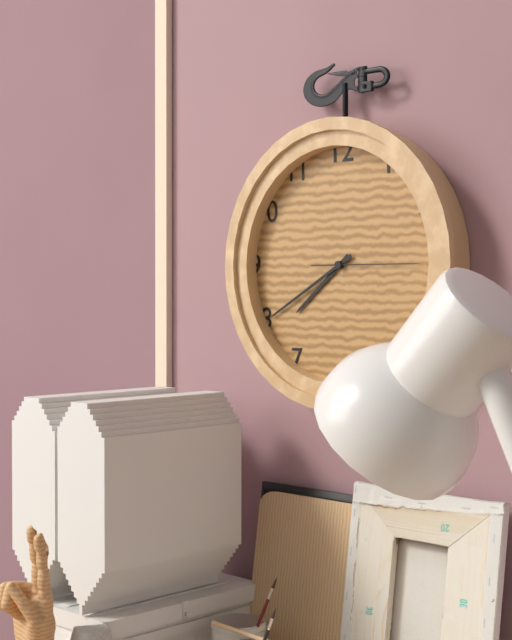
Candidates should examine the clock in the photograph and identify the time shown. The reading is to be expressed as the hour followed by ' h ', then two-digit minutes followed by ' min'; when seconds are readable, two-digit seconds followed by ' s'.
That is 7 h 40 min 15 s
